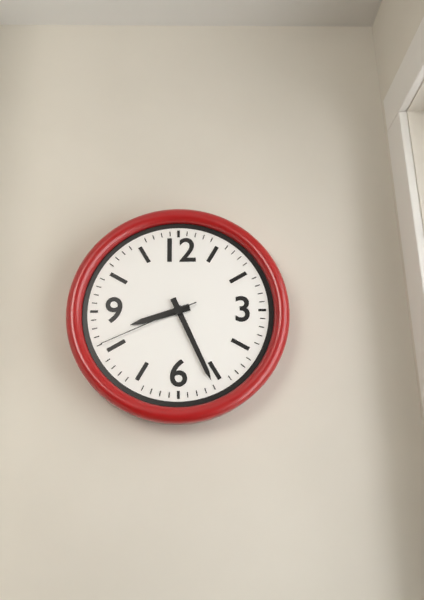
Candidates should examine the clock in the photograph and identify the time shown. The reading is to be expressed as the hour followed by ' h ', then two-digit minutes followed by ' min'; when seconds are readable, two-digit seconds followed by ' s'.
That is 8 h 26 min 41 s
